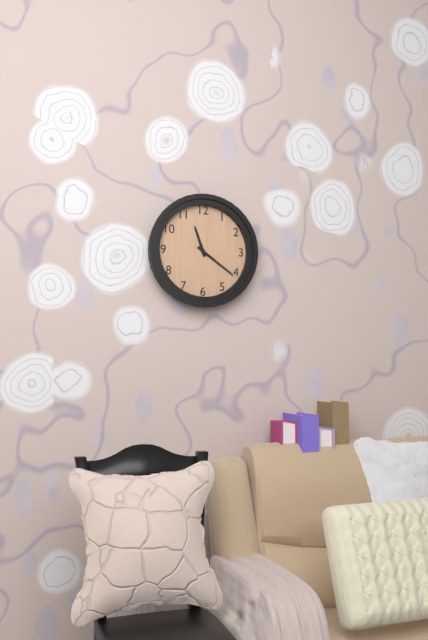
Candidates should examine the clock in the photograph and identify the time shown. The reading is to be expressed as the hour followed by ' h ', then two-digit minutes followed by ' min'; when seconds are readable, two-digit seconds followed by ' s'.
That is 11 h 21 min
